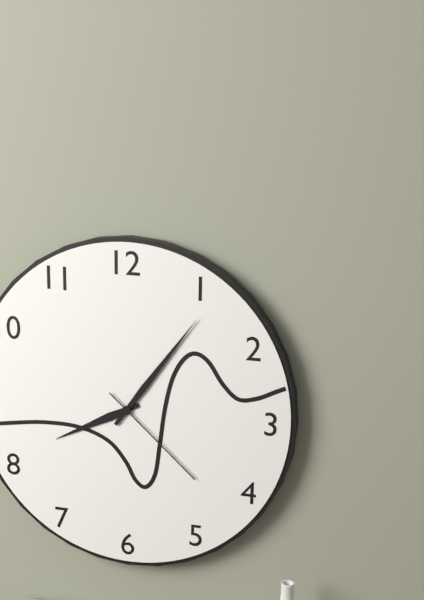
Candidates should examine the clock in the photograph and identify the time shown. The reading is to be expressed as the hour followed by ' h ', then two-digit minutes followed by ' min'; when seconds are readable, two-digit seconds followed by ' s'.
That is 8 h 06 min 22 s
